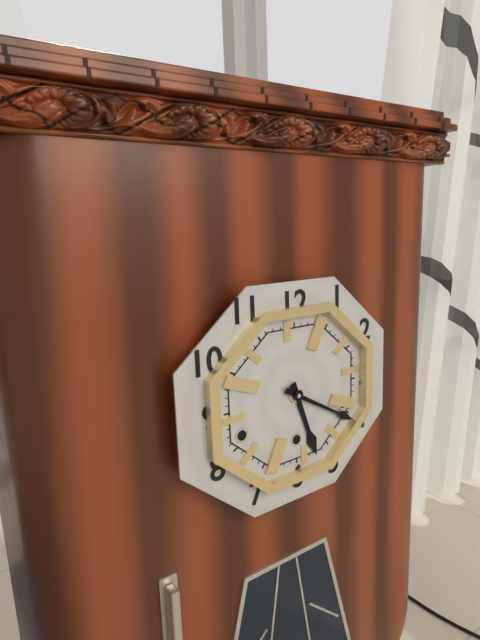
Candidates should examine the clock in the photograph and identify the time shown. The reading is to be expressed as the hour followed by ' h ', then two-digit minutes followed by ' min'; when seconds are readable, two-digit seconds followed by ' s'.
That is 5 h 20 min
